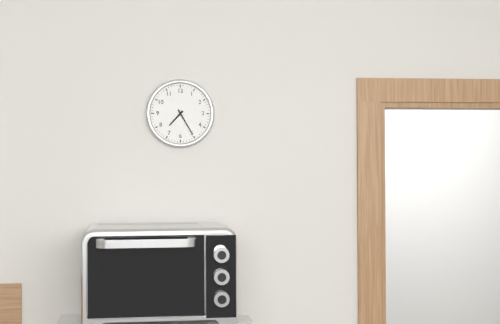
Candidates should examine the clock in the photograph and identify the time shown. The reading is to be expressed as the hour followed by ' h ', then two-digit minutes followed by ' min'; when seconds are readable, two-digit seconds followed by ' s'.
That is 7 h 25 min
